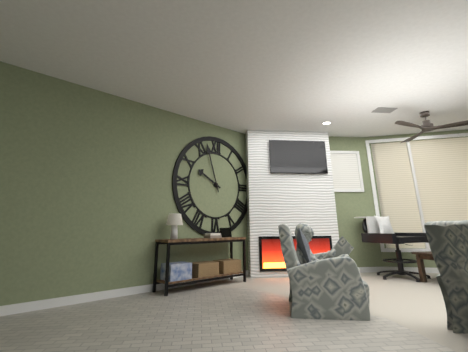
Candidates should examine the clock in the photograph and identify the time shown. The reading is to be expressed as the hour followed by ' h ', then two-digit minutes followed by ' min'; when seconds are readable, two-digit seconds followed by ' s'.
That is 9 h 57 min
